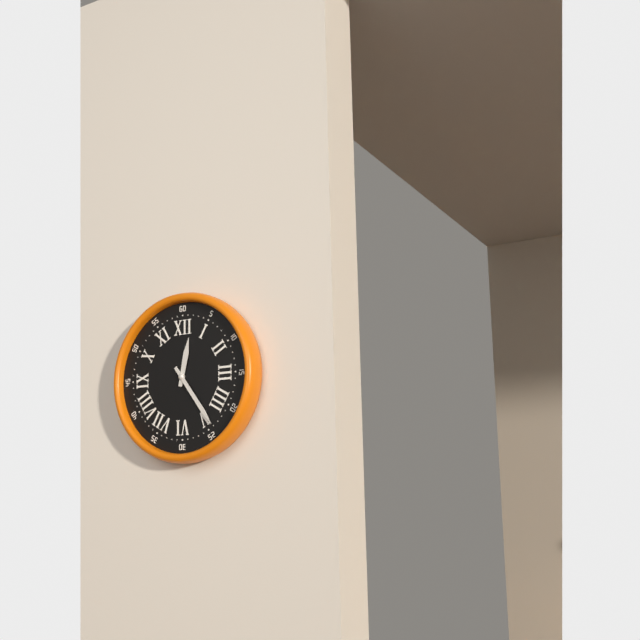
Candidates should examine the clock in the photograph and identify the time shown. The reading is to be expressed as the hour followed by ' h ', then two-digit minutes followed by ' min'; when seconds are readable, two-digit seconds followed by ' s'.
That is 12 h 24 min
